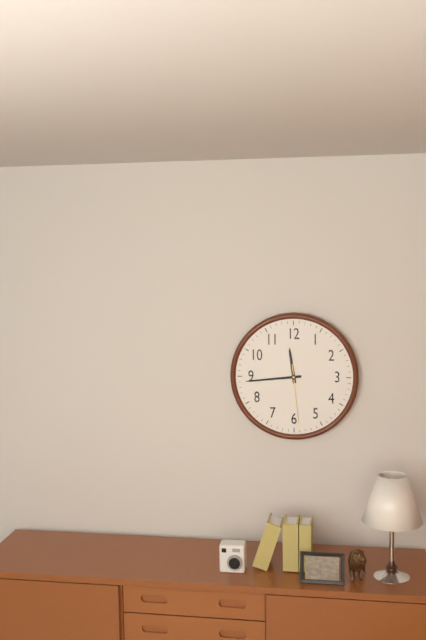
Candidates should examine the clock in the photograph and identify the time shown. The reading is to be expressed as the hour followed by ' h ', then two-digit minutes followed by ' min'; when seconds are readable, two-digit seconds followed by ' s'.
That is 11 h 44 min 29 s
